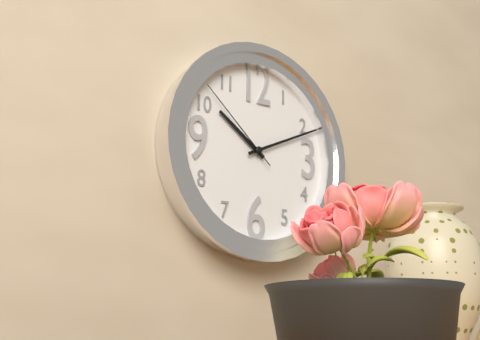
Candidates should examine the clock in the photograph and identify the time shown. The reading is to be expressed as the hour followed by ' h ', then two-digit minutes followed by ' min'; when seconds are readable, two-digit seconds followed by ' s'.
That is 10 h 11 min 52 s
